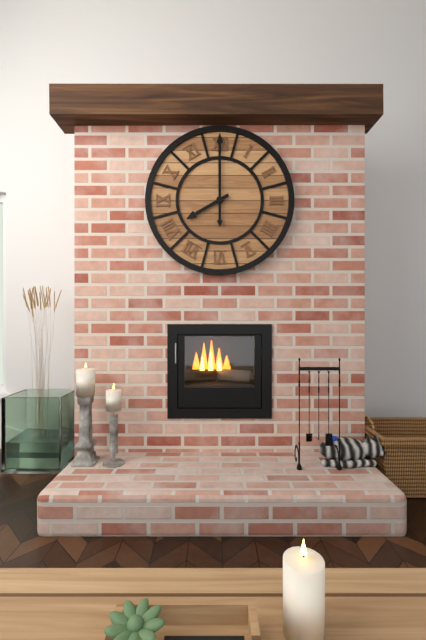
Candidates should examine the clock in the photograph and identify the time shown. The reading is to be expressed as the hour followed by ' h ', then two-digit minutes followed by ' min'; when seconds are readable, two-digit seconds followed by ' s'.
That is 8 h 00 min
